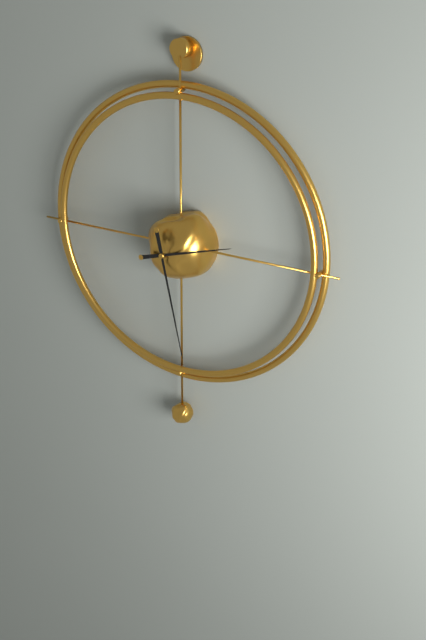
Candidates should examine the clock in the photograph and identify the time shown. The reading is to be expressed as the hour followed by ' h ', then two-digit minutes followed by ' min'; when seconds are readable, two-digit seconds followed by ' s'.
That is 2 h 28 min
